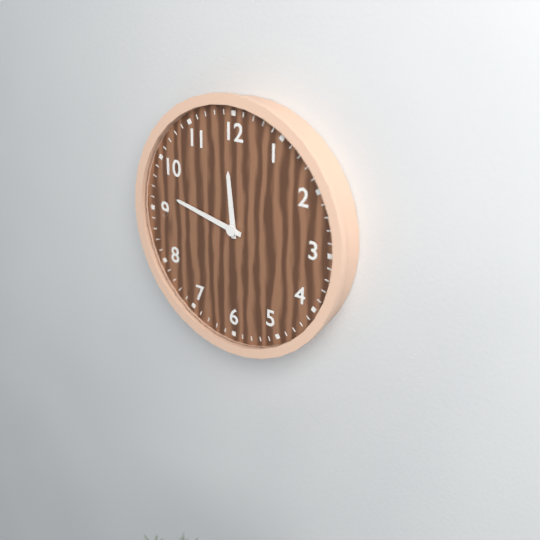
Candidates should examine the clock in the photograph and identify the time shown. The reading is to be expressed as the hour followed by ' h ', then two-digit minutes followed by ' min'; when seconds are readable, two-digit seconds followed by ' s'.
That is 11 h 47 min
